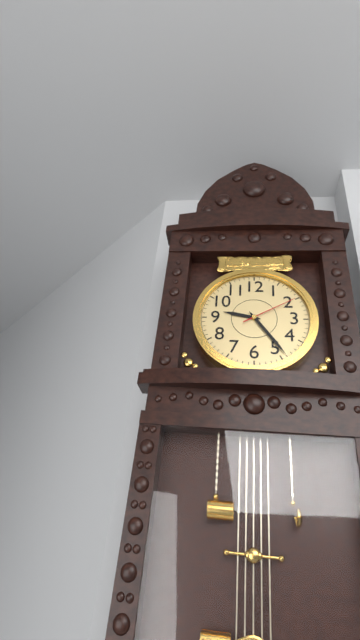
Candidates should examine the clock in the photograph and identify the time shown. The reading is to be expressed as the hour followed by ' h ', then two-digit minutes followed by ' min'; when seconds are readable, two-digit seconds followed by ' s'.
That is 9 h 24 min 10 s
